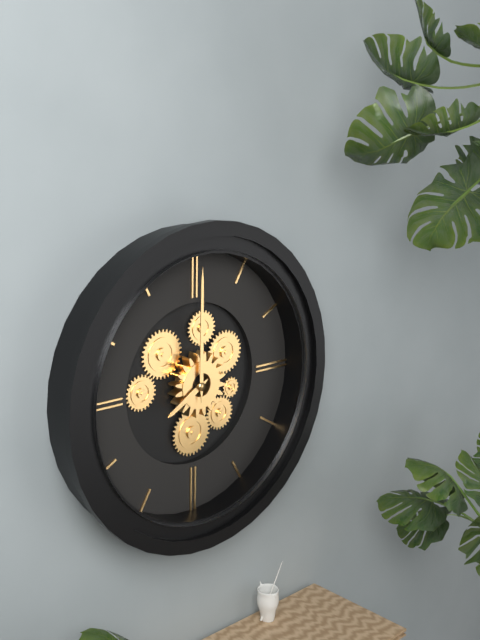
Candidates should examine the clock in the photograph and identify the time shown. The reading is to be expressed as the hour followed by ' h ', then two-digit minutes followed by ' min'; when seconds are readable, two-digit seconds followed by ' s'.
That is 8 h 00 min
